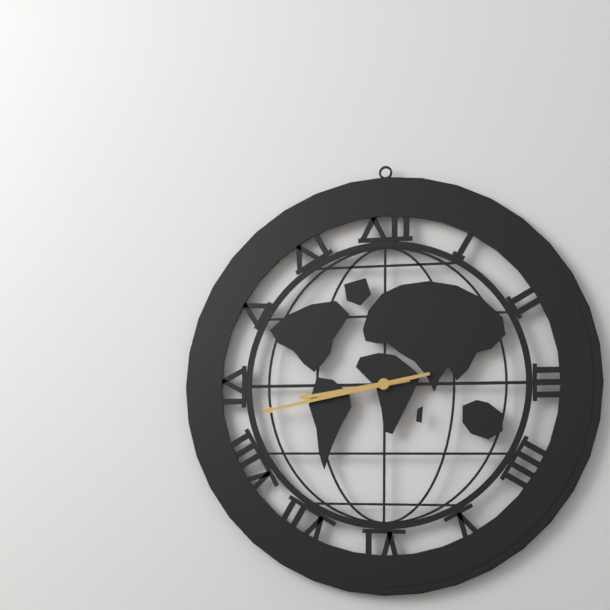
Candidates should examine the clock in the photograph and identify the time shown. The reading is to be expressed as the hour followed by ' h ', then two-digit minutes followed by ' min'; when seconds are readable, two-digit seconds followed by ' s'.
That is 8 h 43 min
